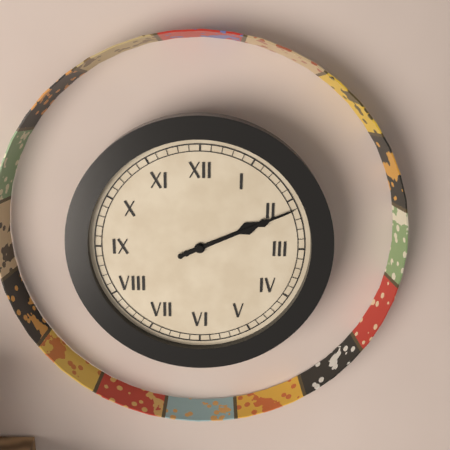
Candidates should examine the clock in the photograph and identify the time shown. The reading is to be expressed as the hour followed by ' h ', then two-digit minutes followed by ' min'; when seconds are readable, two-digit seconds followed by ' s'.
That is 2 h 11 min
